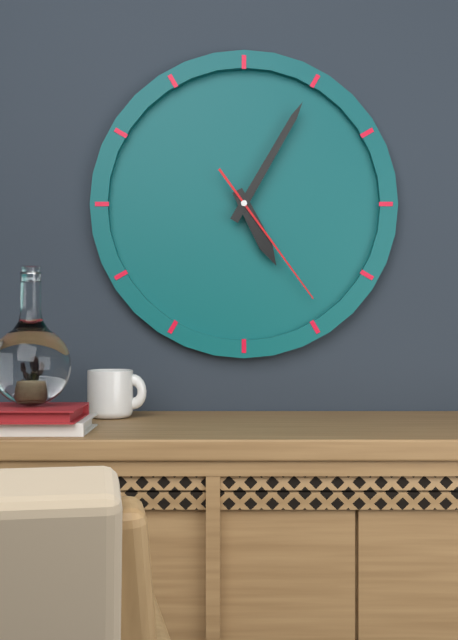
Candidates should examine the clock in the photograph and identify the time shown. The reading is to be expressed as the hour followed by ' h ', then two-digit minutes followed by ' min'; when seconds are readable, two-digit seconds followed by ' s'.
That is 5 h 05 min 24 s
